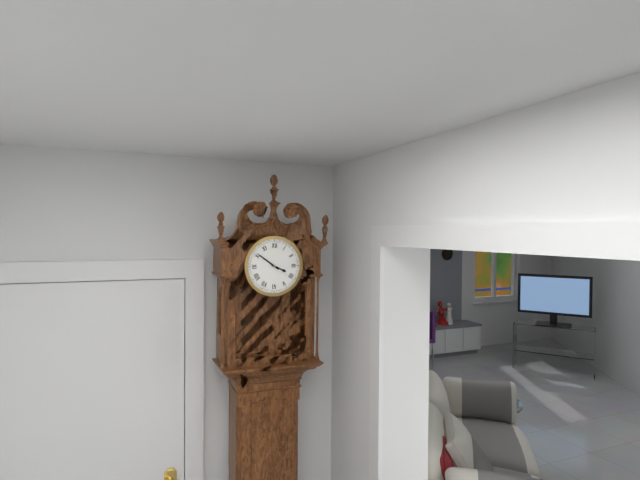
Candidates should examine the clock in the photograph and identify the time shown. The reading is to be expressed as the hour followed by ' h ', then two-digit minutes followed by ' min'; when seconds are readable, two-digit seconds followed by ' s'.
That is 3 h 51 min
